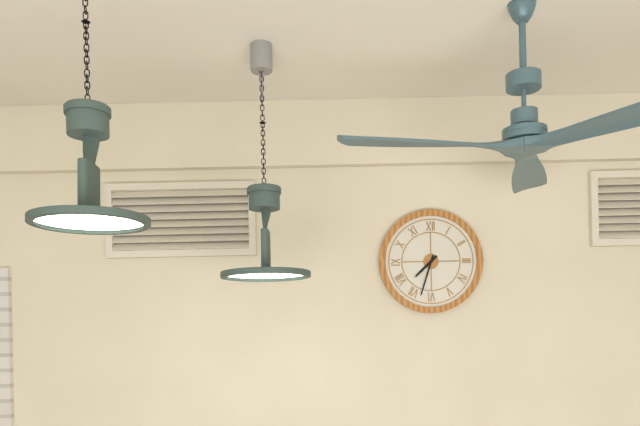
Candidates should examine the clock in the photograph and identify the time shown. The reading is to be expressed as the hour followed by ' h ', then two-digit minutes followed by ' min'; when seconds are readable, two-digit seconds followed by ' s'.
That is 7 h 33 min
